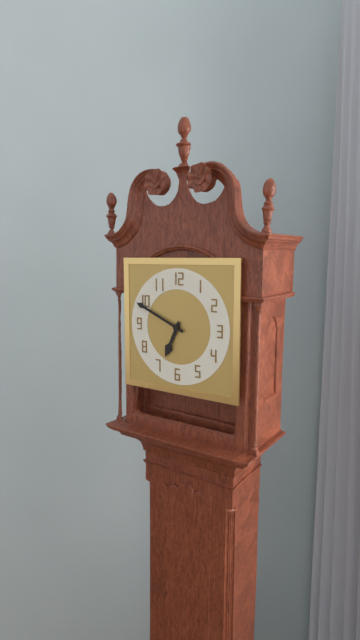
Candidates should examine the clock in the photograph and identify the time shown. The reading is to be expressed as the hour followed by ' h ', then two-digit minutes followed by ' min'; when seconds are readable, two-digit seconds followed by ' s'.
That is 6 h 49 min
